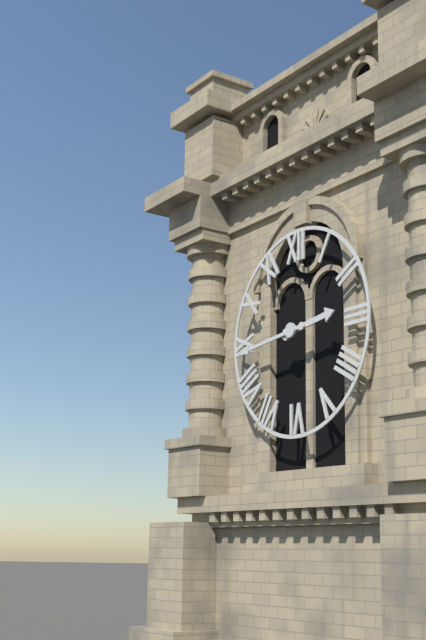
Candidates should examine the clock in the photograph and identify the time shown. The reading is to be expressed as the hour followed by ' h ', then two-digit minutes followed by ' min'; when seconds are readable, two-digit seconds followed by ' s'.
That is 2 h 44 min
